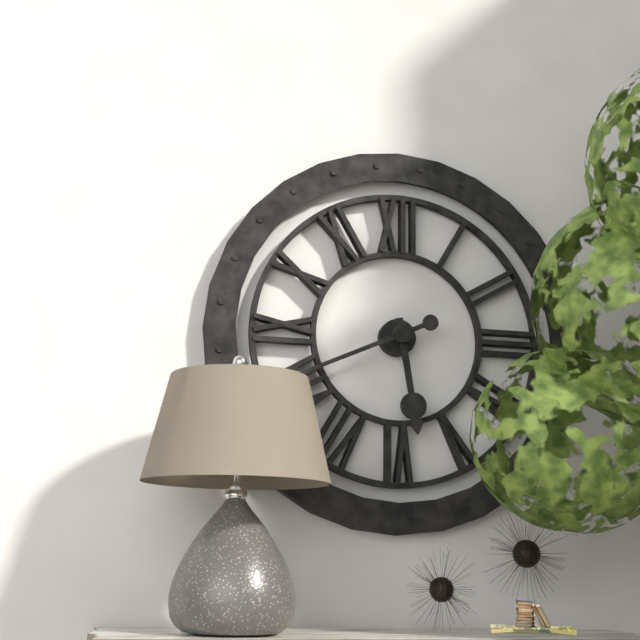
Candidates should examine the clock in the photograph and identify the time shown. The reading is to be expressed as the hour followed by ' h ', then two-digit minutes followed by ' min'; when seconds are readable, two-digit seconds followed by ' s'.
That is 5 h 41 min
